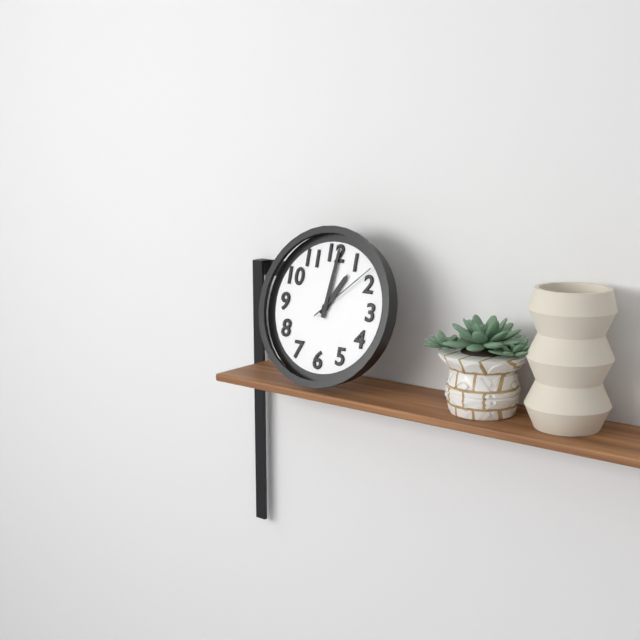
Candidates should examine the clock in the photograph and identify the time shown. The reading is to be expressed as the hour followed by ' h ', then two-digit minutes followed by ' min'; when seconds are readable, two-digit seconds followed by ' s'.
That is 1 h 01 min 08 s
